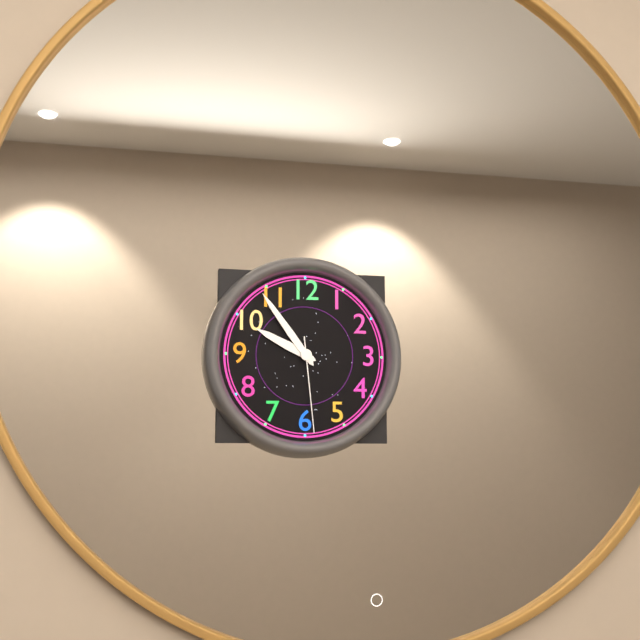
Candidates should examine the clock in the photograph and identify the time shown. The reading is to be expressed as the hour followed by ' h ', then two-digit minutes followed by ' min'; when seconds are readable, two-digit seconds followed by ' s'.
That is 9 h 54 min 29 s
